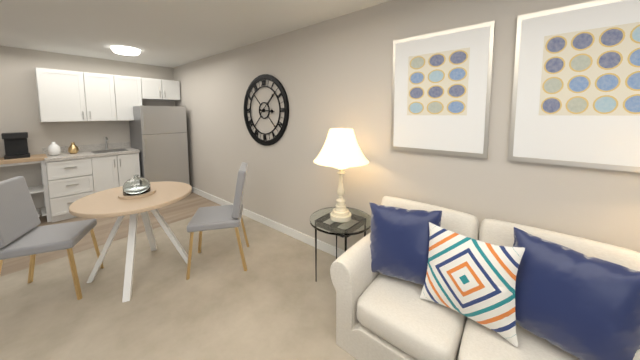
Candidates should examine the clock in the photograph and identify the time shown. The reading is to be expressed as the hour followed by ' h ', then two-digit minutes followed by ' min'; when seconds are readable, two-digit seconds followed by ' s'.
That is 3 h 08 min
